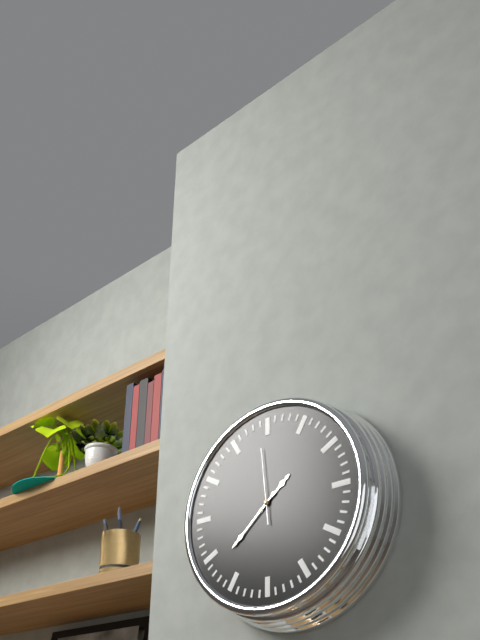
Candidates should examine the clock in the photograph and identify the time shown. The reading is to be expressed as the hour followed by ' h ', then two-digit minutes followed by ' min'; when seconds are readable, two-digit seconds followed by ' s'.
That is 1 h 38 min 59 s
